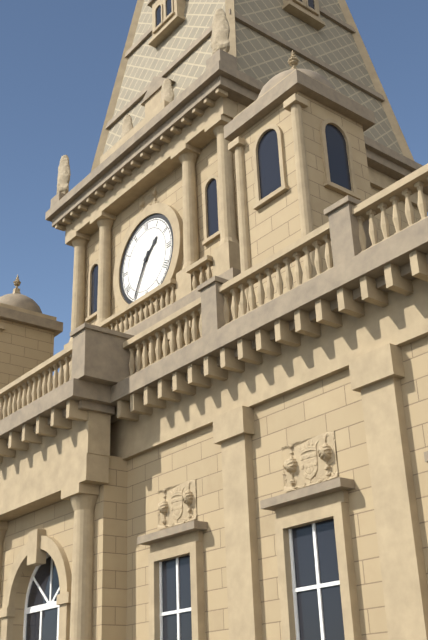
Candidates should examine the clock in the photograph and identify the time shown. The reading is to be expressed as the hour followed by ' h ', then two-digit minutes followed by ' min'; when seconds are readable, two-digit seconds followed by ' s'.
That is 1 h 35 min
